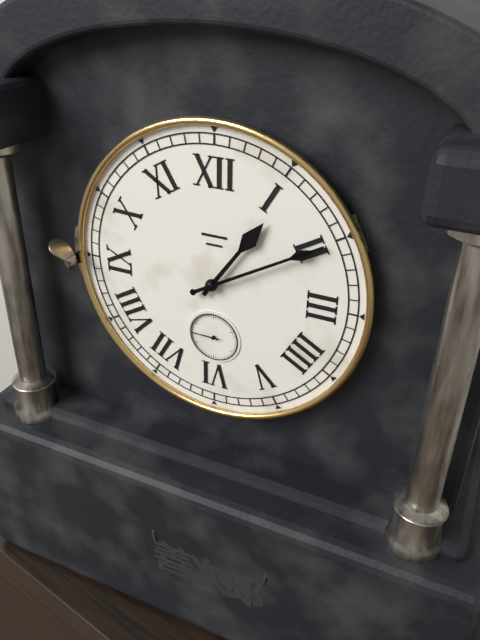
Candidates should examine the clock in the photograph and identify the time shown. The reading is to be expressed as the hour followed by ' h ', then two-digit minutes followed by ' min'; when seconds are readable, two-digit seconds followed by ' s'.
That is 1 h 10 min
